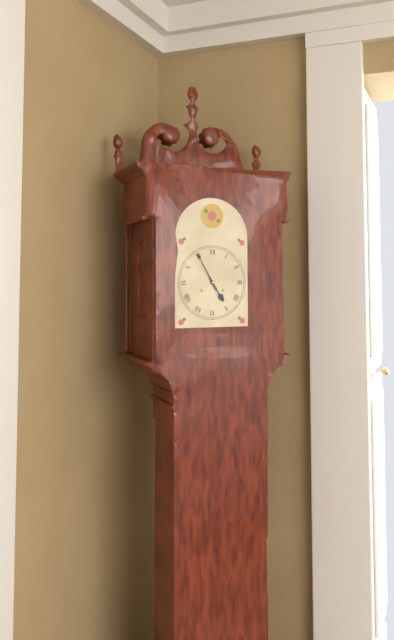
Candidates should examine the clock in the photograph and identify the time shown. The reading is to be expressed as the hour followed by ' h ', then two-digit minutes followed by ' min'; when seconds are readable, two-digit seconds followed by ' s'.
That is 4 h 55 min
